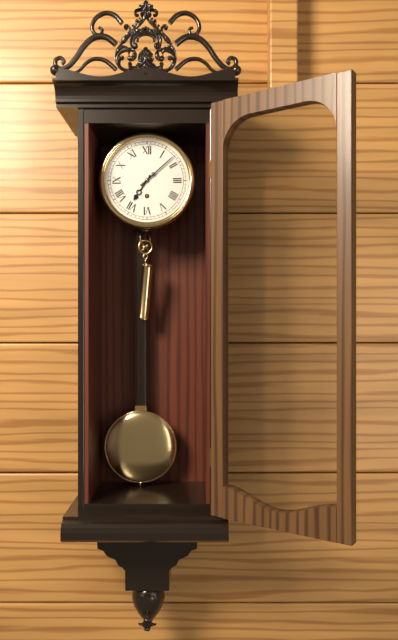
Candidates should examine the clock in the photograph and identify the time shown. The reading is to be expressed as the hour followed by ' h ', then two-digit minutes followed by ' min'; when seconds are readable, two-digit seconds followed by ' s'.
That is 7 h 08 min
